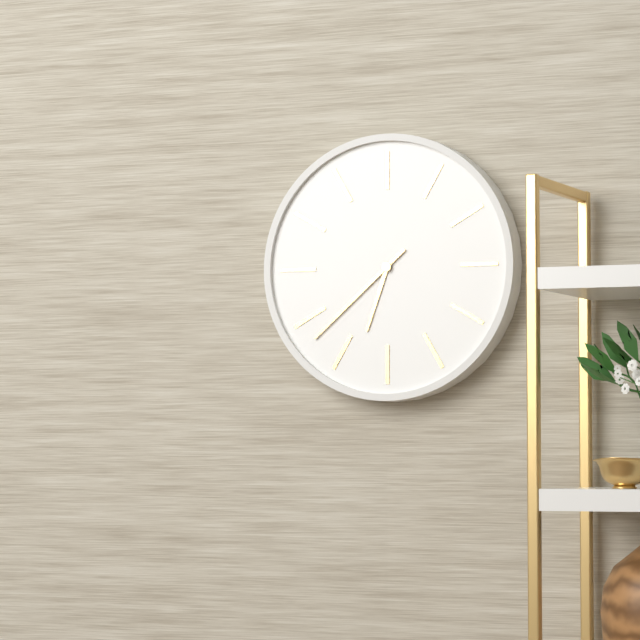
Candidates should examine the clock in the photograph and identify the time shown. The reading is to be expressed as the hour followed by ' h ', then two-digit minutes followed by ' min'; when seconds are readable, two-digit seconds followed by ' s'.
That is 6 h 38 min
